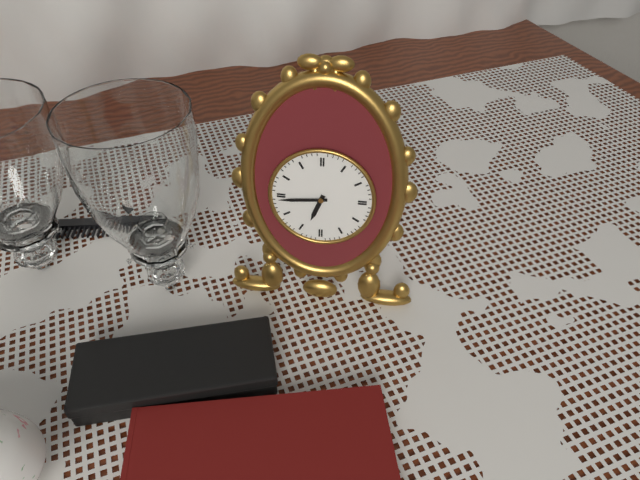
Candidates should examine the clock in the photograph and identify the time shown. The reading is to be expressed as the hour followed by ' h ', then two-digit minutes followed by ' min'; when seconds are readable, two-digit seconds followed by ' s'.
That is 6 h 44 min
